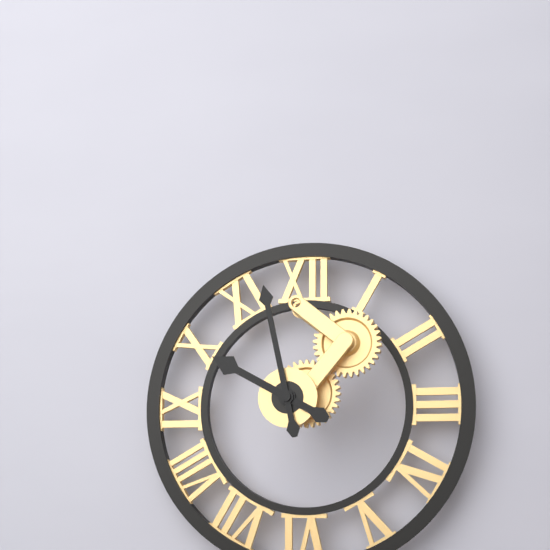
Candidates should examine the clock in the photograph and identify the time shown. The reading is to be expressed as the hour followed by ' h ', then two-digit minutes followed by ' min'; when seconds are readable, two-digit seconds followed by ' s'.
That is 9 h 58 min
